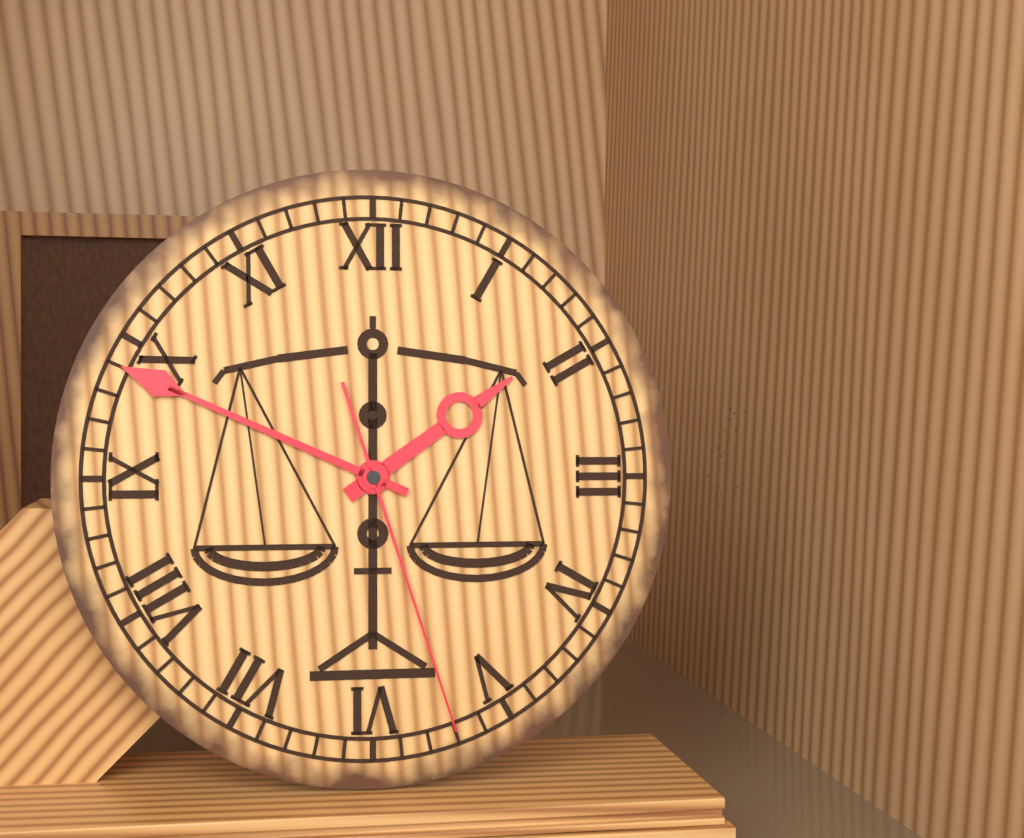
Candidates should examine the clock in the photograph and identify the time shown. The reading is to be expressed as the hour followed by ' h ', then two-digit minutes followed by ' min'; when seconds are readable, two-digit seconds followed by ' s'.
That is 1 h 49 min 27 s
